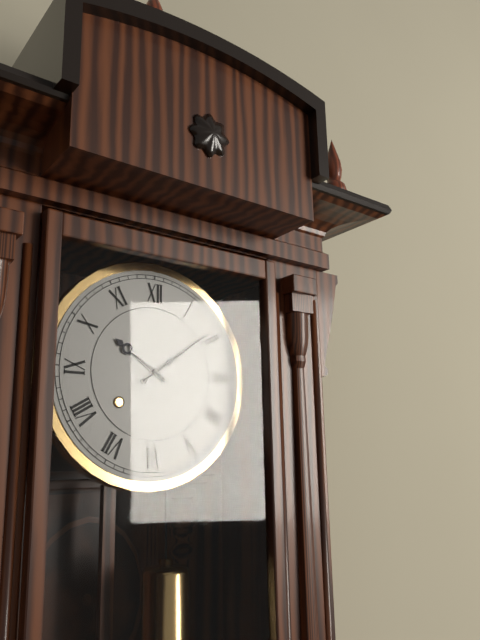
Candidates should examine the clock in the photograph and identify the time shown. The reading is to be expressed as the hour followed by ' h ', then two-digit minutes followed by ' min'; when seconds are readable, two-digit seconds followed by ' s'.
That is 10 h 09 min
